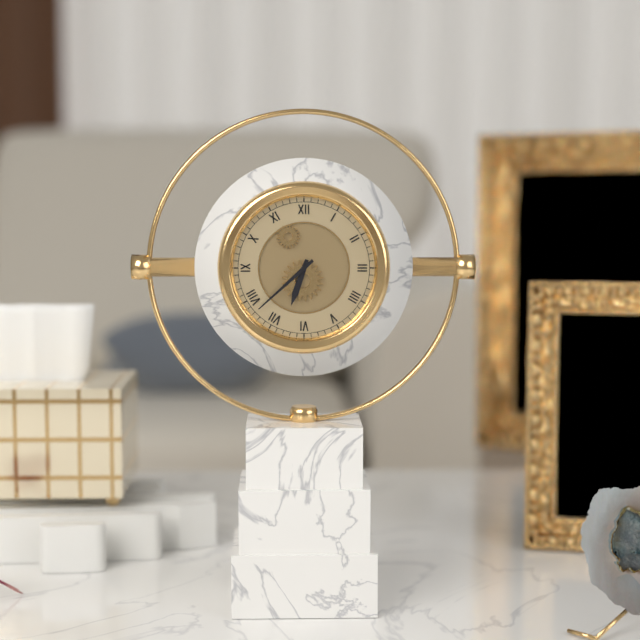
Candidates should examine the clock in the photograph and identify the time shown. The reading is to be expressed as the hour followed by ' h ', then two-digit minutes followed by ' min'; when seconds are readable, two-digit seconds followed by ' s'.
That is 6 h 38 min
